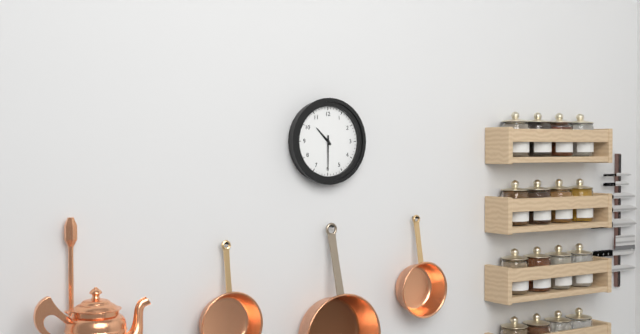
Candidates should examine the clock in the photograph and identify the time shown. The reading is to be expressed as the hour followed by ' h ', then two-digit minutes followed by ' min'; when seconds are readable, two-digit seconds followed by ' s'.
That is 10 h 30 min
